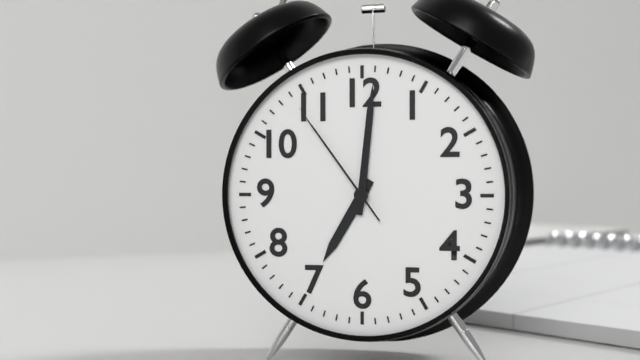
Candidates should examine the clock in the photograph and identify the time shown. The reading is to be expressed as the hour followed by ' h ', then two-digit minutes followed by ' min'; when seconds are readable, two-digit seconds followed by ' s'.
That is 7 h 01 min 54 s
